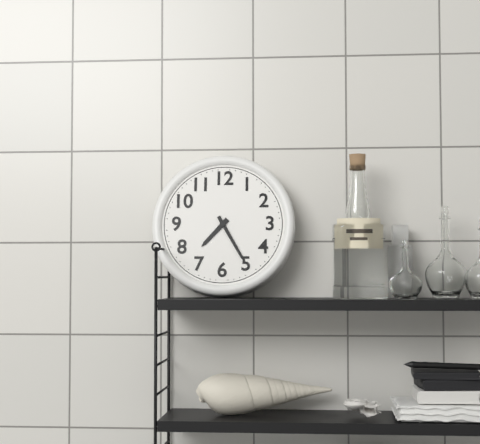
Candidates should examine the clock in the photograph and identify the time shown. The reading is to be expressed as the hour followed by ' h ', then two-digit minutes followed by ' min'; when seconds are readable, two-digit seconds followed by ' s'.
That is 7 h 25 min
